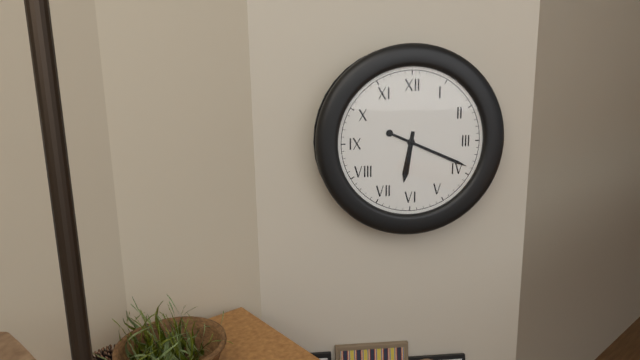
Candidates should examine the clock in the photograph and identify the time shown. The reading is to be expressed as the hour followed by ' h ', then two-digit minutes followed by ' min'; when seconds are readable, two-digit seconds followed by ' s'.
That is 6 h 19 min
